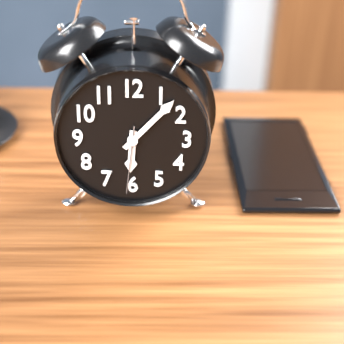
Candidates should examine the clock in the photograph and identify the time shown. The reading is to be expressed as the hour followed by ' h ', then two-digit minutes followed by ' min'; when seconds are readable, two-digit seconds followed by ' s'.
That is 6 h 07 min 31 s
